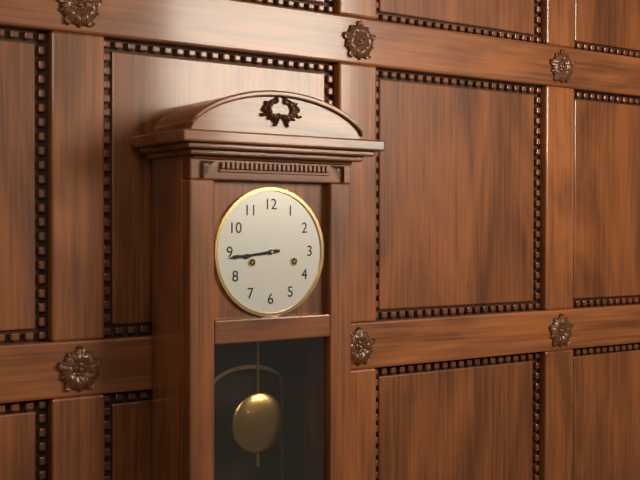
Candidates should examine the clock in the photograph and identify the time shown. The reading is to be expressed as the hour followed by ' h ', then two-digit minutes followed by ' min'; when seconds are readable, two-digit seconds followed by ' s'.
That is 8 h 44 min
